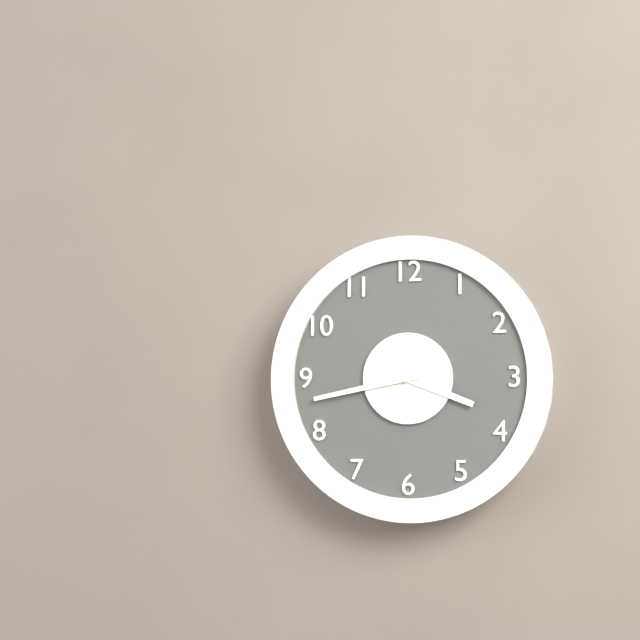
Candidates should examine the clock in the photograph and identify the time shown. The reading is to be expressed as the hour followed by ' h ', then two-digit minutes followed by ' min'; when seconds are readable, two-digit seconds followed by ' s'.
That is 3 h 43 min
